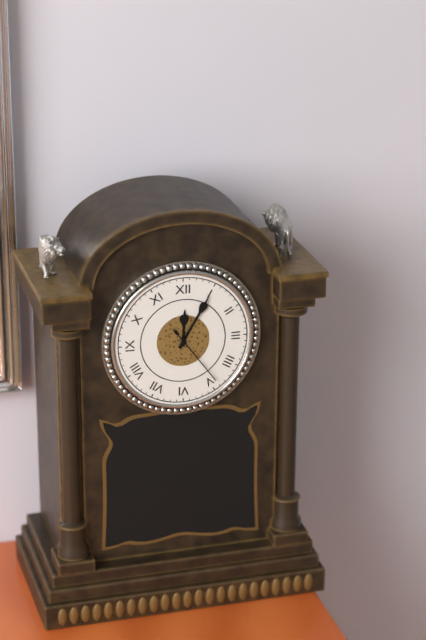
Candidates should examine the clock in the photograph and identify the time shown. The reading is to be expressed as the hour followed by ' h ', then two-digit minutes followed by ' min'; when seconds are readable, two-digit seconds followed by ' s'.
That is 12 h 05 min 24 s
